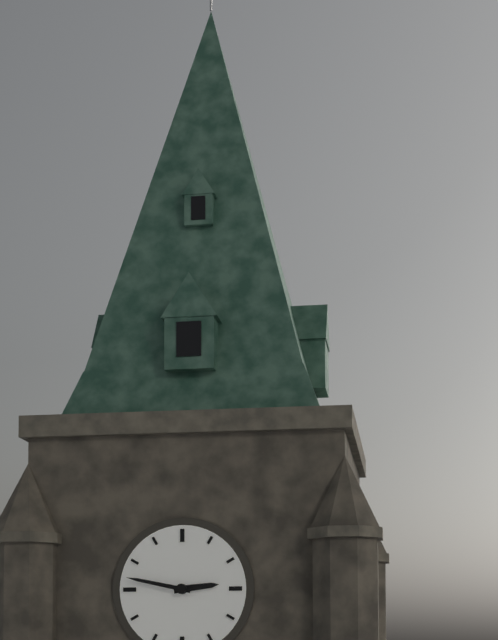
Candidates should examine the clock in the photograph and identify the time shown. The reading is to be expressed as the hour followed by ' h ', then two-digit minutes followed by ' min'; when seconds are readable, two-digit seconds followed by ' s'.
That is 2 h 47 min
